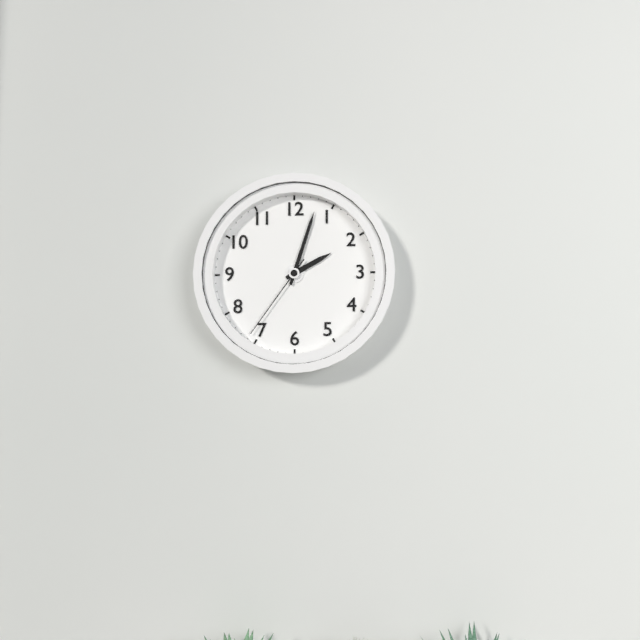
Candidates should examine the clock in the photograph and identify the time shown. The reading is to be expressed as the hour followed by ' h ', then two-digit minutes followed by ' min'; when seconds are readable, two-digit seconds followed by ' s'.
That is 2 h 03 min 36 s
